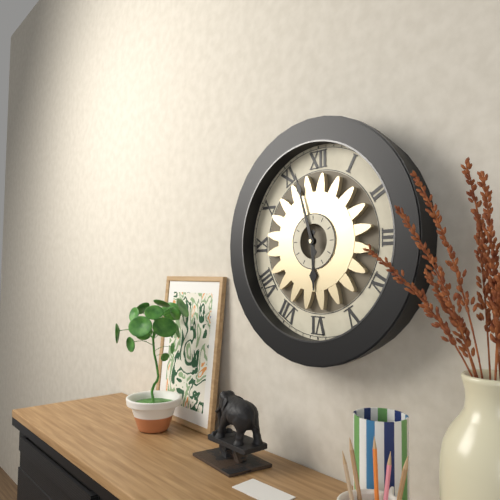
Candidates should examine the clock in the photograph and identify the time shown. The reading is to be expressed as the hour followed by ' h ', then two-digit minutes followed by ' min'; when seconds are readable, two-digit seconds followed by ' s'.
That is 5 h 57 min
